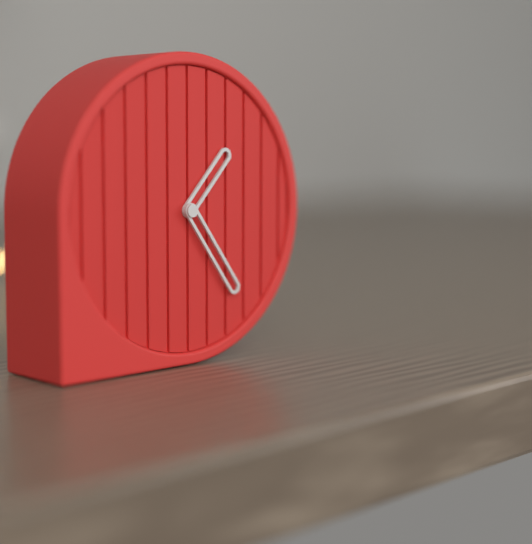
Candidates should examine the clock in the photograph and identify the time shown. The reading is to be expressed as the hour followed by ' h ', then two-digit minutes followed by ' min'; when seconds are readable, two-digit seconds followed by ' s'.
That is 1 h 24 min
